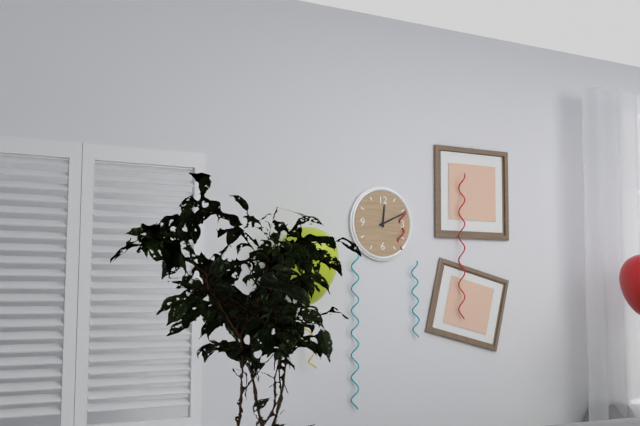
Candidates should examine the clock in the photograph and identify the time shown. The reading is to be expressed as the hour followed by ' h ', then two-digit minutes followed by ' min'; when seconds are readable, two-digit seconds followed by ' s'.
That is 12 h 11 min
